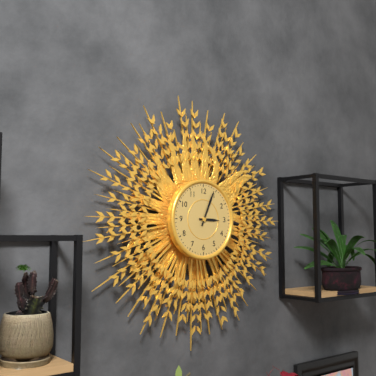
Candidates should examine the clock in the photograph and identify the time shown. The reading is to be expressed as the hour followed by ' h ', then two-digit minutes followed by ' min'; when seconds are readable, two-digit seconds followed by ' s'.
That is 3 h 04 min
